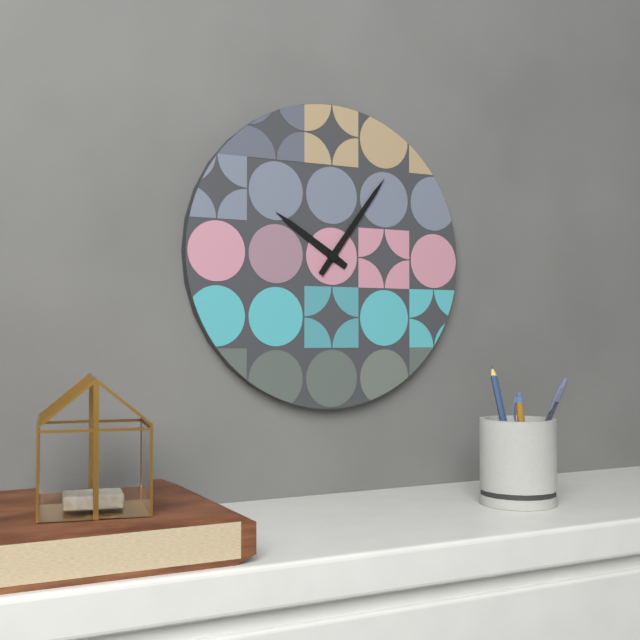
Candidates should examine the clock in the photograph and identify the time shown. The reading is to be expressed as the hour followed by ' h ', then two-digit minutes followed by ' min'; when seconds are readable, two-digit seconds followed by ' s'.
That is 10 h 06 min
